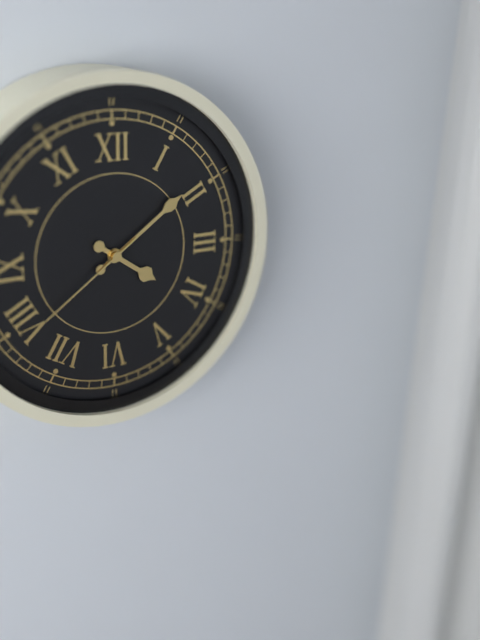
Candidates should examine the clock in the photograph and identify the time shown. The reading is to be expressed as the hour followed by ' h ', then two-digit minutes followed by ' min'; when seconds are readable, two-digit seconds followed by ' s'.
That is 4 h 09 min 39 s
